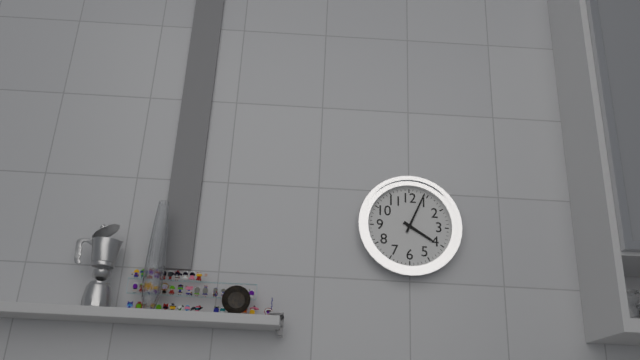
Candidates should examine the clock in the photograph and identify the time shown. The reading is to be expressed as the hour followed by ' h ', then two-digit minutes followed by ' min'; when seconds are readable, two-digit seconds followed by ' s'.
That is 4 h 04 min
